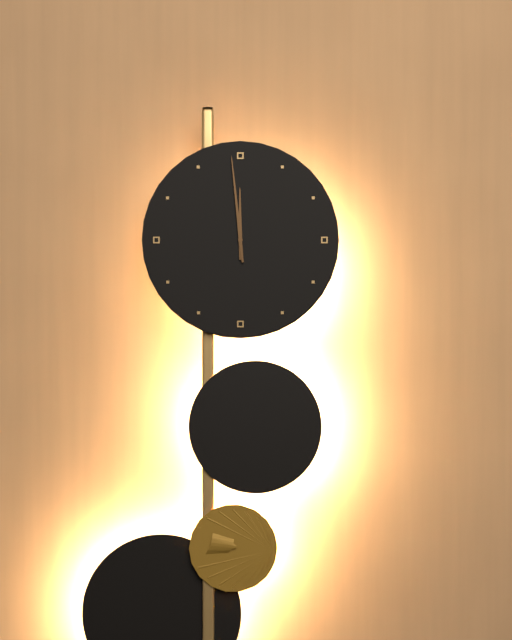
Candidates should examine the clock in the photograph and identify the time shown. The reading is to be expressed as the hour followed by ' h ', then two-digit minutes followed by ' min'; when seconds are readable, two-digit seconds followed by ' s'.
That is 11 h 59 min
